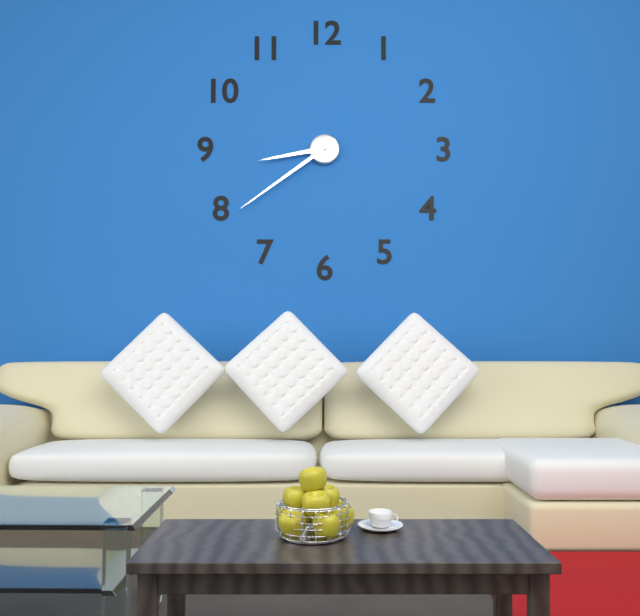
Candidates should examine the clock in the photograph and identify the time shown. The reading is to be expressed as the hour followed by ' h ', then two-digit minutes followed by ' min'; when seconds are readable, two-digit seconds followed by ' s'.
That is 8 h 39 min
